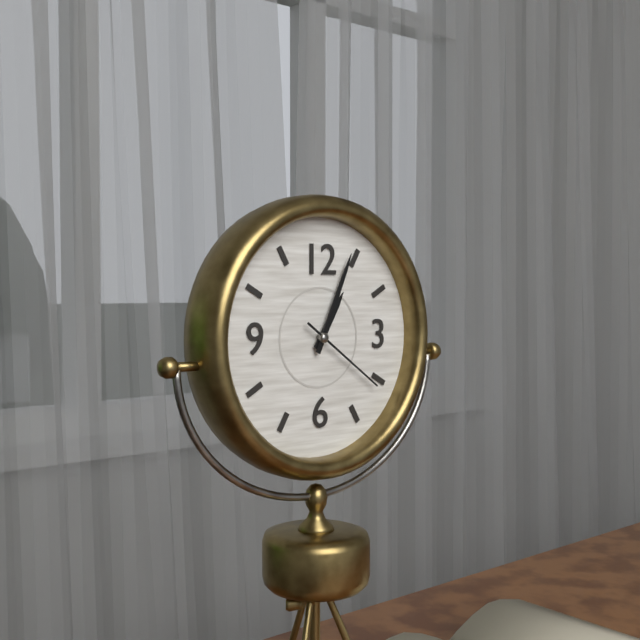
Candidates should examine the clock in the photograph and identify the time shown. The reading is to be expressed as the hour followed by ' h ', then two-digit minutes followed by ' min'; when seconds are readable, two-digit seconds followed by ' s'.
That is 1 h 04 min 21 s
